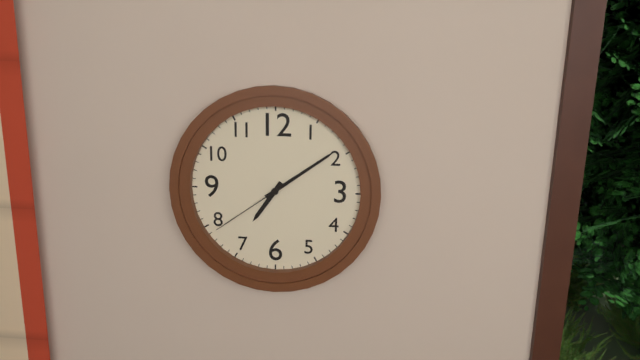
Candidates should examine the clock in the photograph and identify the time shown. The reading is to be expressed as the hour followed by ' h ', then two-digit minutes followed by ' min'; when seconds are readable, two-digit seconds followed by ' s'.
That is 7 h 09 min 39 s
